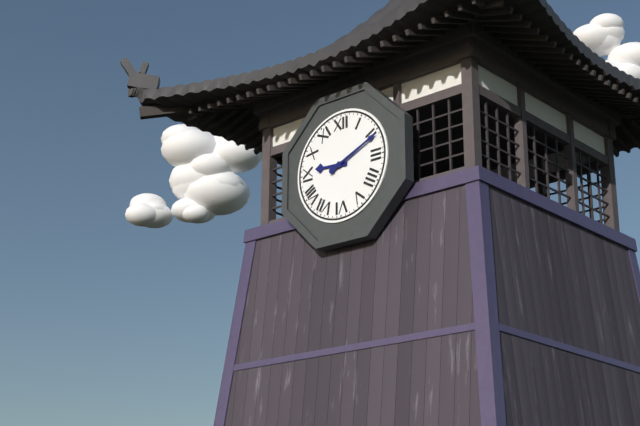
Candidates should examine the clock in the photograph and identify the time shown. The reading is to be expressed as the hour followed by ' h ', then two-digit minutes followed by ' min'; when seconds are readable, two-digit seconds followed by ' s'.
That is 9 h 11 min
